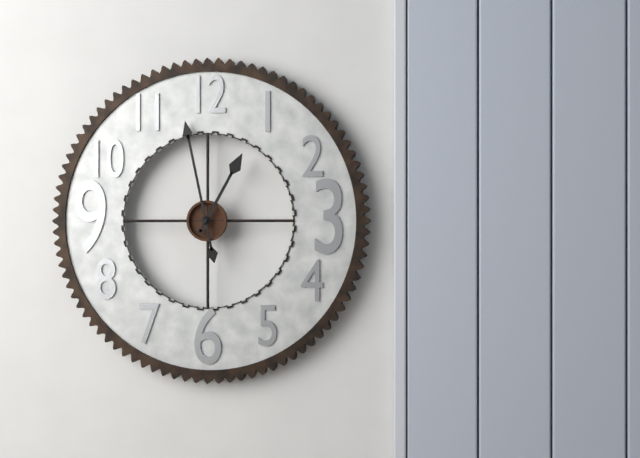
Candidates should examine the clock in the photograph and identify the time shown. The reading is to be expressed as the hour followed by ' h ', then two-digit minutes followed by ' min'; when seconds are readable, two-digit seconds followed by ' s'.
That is 12 h 58 min
